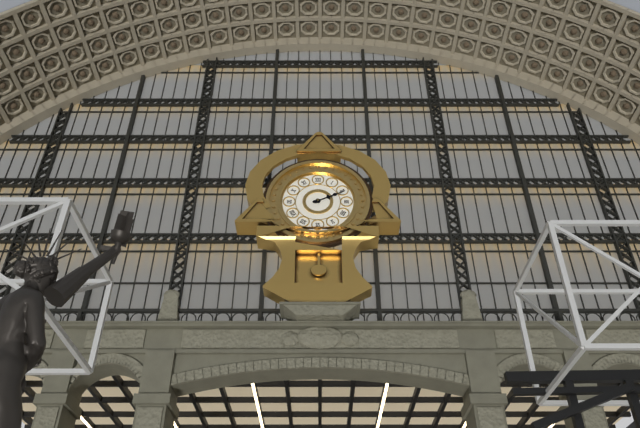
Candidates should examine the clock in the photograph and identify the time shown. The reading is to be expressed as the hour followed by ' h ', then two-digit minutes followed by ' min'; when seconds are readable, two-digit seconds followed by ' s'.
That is 2 h 11 min
